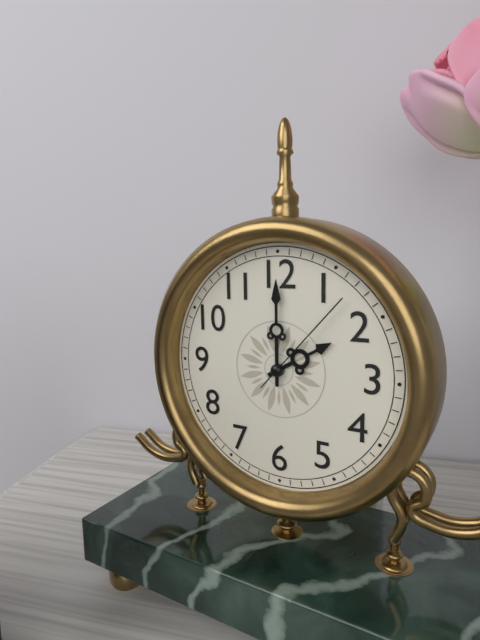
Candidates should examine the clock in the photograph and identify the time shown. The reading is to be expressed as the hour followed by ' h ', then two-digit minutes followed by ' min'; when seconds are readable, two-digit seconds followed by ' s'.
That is 2 h 00 min 07 s
